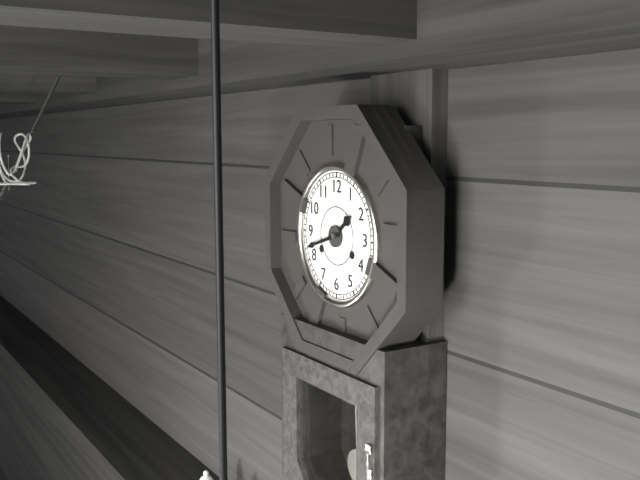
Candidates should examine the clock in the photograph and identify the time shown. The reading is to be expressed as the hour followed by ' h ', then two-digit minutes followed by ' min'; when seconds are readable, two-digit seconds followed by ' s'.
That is 1 h 42 min
